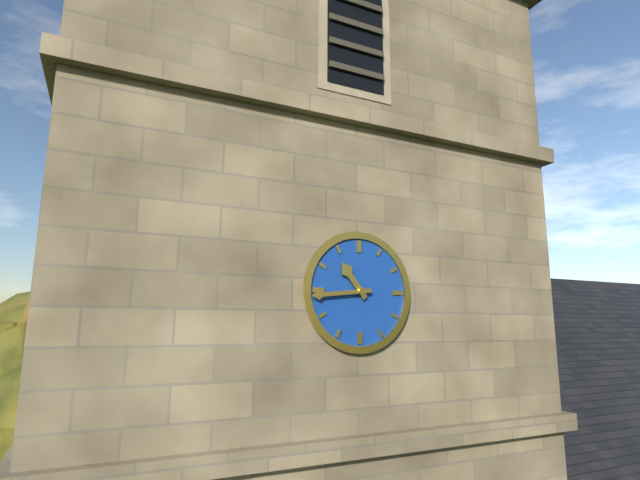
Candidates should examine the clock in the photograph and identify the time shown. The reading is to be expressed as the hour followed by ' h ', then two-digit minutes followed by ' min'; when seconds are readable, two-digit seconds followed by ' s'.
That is 10 h 44 min
